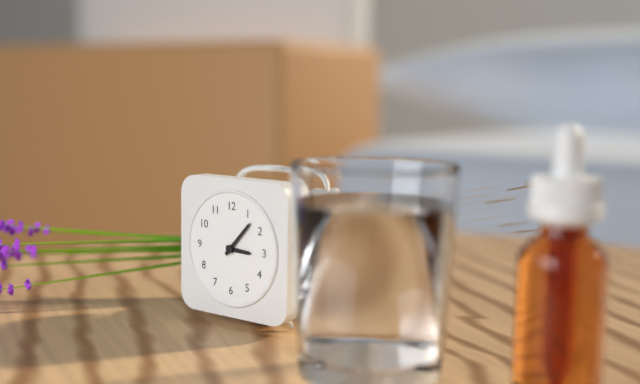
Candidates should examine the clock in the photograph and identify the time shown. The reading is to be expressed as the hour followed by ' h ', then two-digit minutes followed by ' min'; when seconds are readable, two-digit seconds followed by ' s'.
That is 3 h 07 min
